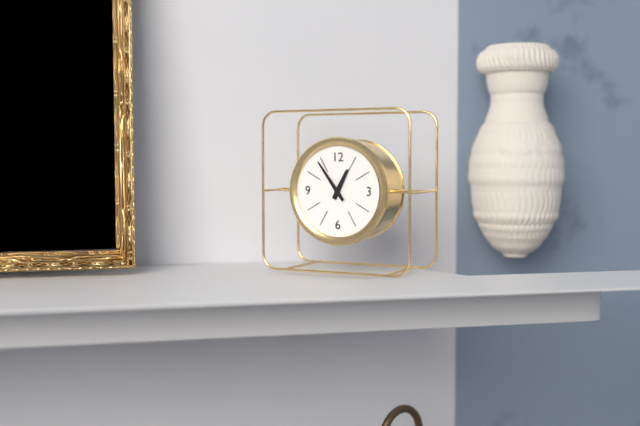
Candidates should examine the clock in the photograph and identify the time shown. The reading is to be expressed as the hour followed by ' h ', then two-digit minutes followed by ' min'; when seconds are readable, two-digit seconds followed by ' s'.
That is 12 h 54 min
